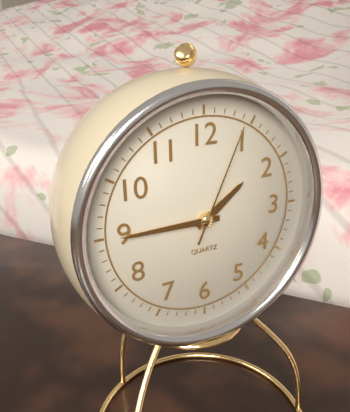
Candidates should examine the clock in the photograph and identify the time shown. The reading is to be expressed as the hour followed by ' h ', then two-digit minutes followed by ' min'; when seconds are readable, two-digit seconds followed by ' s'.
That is 1 h 45 min 04 s
